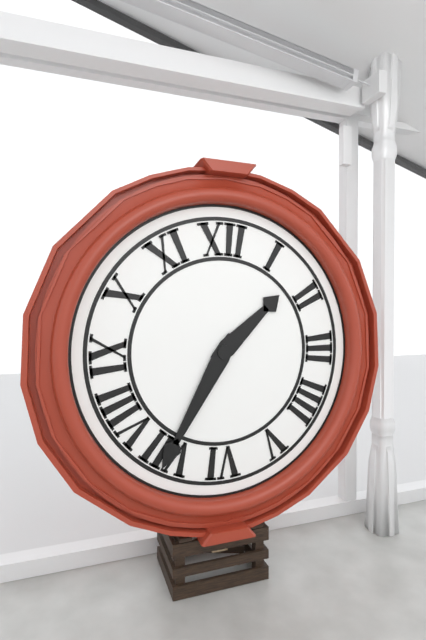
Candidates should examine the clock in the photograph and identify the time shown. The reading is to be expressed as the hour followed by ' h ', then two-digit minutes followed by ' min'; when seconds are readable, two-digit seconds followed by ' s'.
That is 1 h 35 min
